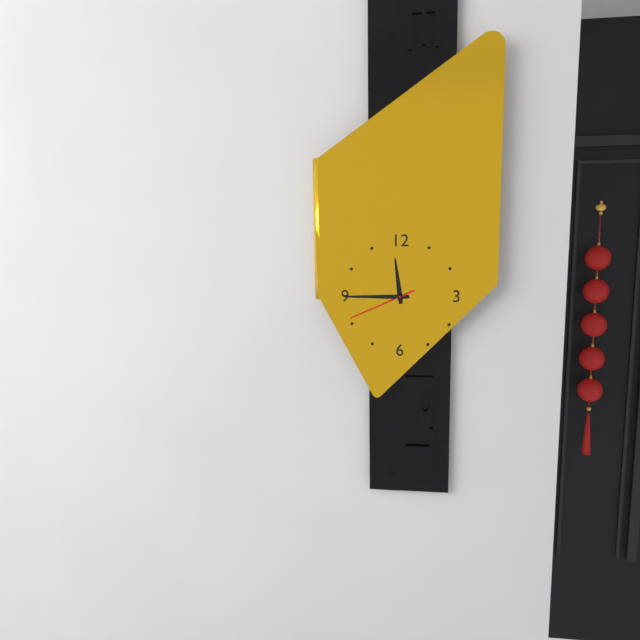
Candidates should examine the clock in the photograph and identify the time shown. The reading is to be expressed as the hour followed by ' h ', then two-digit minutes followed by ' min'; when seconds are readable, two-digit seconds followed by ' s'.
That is 11 h 45 min 41 s
